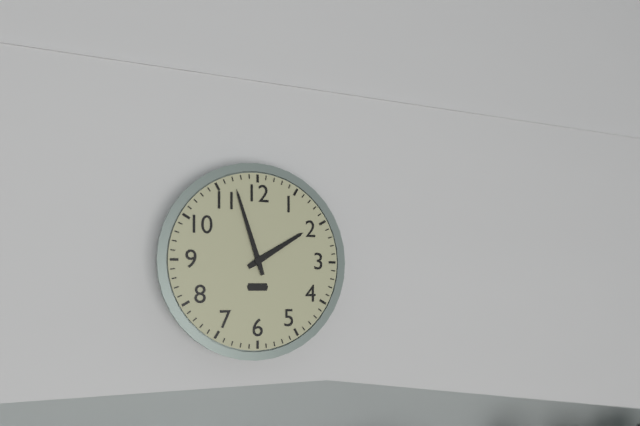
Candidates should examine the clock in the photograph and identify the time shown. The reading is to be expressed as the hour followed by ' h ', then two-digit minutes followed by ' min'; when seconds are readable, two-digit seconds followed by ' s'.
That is 1 h 57 min
